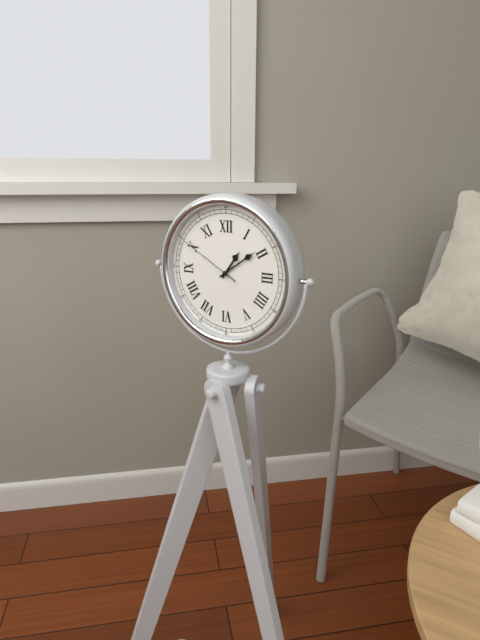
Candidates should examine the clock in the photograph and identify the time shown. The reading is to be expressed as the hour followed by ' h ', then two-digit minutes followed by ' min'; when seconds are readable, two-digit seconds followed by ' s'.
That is 1 h 09 min 50 s
